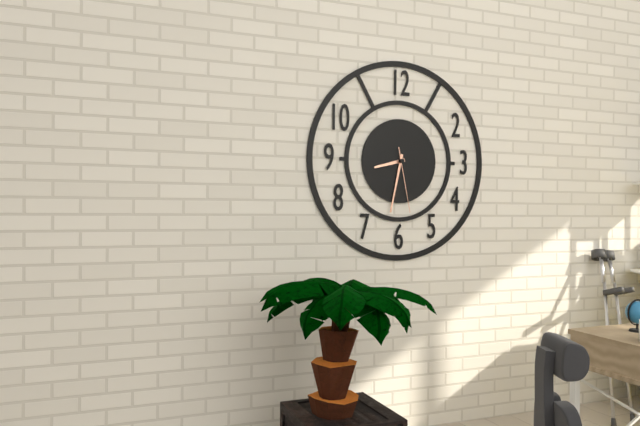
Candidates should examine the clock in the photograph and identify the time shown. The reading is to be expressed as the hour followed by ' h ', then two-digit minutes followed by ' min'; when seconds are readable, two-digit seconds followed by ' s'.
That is 8 h 32 min 28 s
